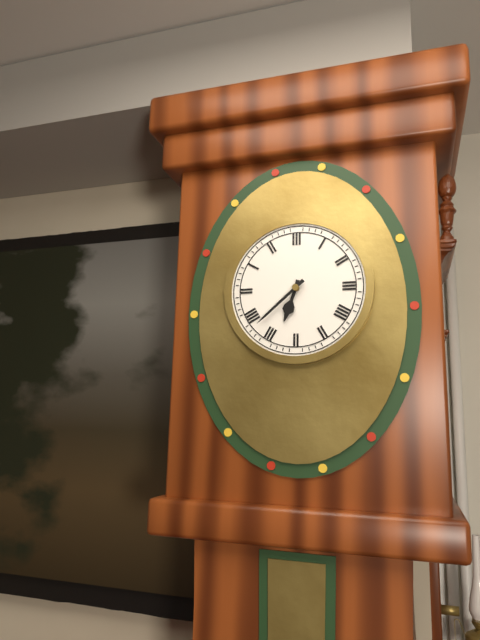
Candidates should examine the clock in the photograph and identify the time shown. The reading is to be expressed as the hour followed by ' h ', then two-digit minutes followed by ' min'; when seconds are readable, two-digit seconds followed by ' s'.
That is 6 h 38 min
